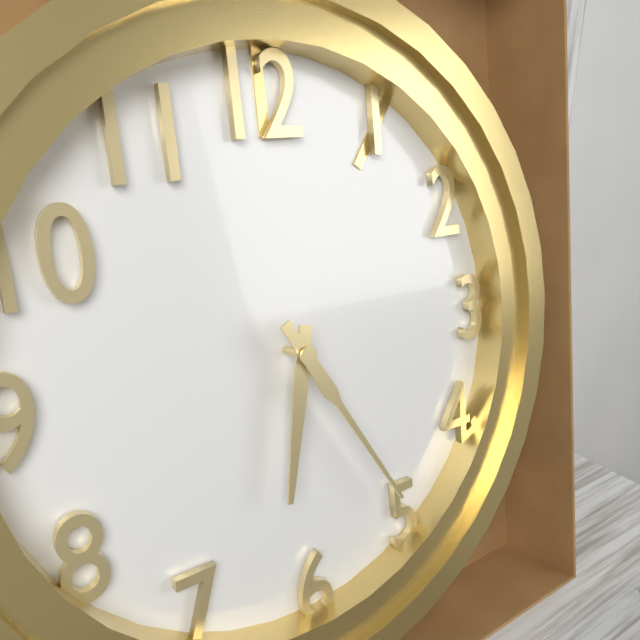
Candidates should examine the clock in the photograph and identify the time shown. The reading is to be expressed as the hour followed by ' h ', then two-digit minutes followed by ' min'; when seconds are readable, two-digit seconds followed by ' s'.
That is 6 h 25 min
